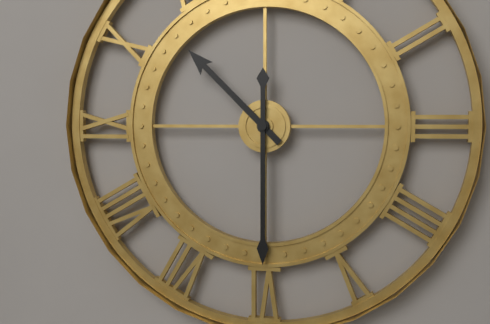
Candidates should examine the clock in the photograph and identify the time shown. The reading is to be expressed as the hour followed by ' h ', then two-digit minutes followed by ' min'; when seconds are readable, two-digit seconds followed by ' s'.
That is 10 h 30 min
